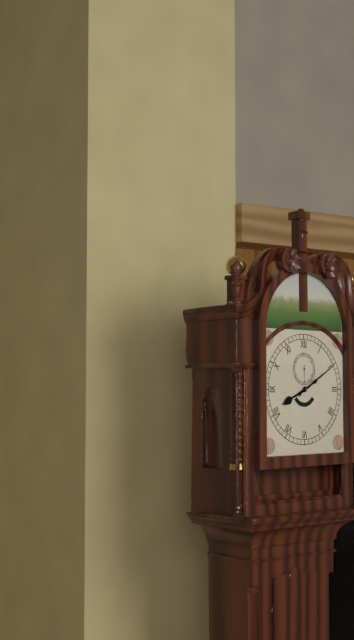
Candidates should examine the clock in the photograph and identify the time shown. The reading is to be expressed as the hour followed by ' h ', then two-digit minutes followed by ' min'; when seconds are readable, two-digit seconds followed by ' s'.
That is 8 h 10 min
